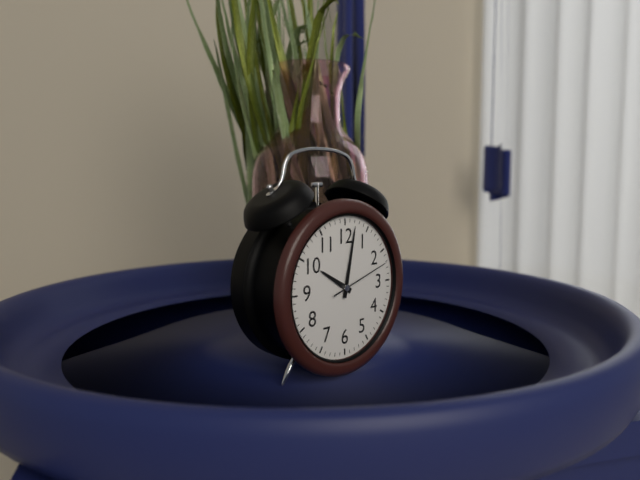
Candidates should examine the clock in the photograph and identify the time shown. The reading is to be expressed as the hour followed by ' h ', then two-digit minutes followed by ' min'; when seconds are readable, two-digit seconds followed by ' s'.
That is 10 h 02 min 12 s
